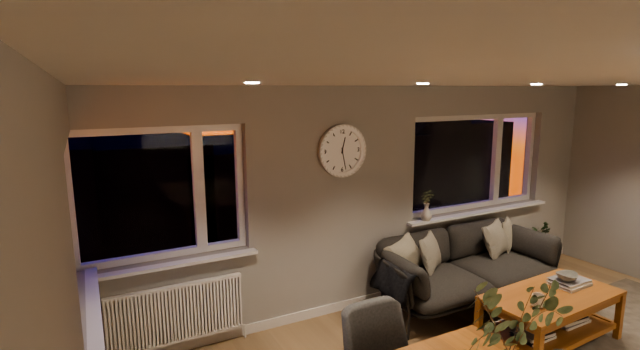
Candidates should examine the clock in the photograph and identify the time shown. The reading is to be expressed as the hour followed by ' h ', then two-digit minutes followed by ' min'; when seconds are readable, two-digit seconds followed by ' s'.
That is 12 h 28 min
